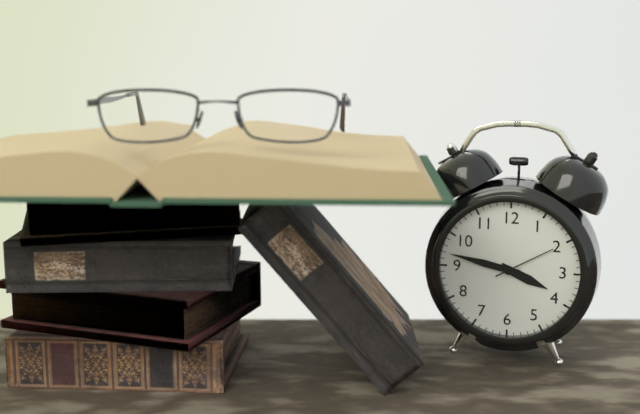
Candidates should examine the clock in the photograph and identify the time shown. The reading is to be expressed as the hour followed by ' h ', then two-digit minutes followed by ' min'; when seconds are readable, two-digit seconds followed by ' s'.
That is 3 h 47 min 10 s
